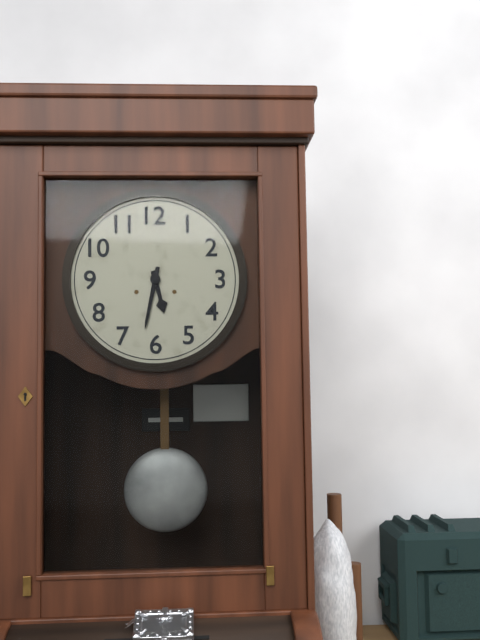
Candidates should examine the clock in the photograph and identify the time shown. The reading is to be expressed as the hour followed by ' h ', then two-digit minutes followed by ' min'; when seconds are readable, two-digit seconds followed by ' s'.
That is 5 h 32 min
